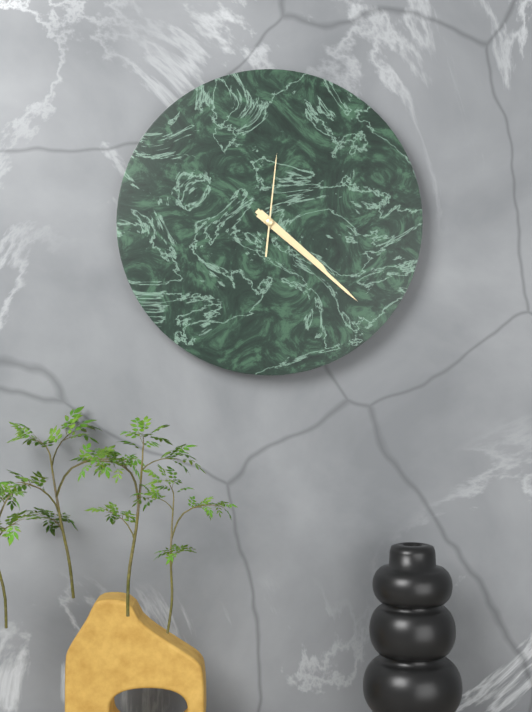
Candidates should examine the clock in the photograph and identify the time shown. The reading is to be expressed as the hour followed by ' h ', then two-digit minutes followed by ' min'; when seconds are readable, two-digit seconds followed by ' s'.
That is 4 h 22 min 01 s
